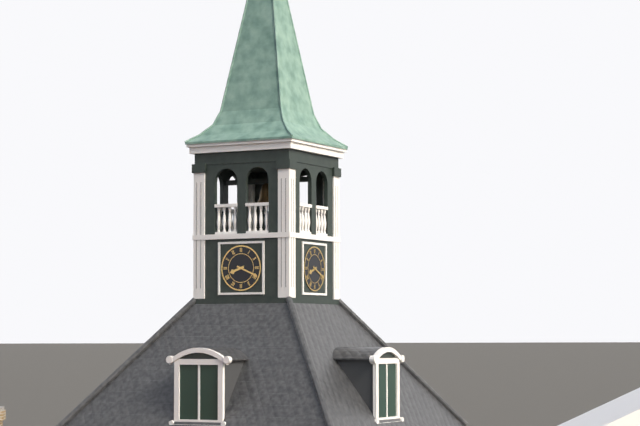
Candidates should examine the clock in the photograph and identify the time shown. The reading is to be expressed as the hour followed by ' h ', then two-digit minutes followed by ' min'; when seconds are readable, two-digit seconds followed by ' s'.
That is 8 h 19 min
